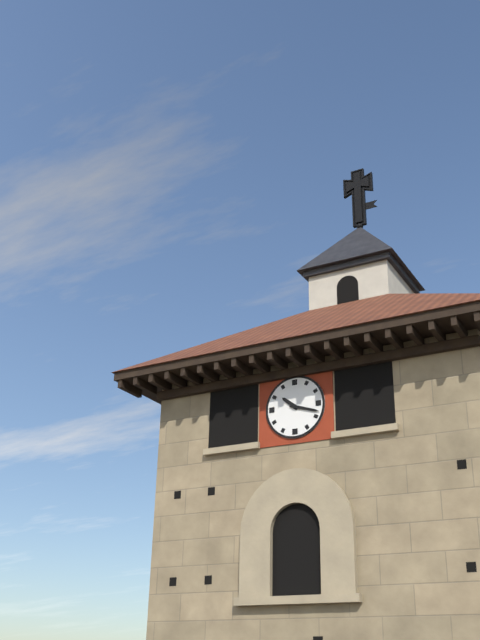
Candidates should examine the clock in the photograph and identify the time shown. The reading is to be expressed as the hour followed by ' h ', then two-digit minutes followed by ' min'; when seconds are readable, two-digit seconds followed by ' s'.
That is 10 h 18 min
